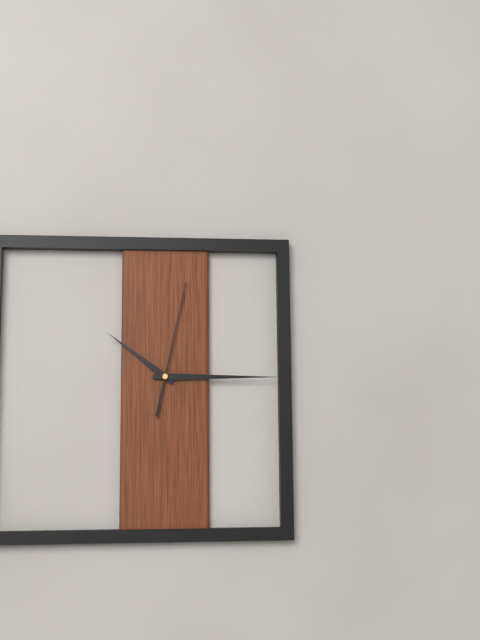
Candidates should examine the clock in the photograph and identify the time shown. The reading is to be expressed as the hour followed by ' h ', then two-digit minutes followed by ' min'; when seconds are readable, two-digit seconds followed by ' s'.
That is 10 h 15 min 02 s
